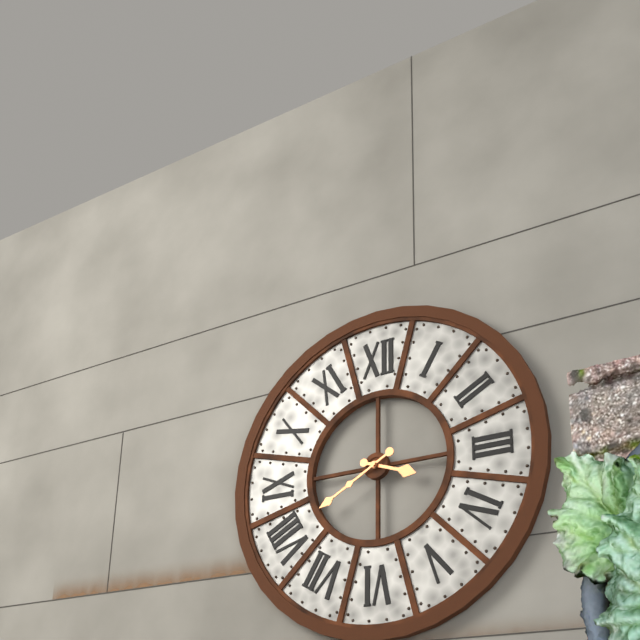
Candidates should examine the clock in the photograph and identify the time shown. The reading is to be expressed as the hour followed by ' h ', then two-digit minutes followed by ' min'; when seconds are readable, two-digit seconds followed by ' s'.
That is 3 h 40 min
